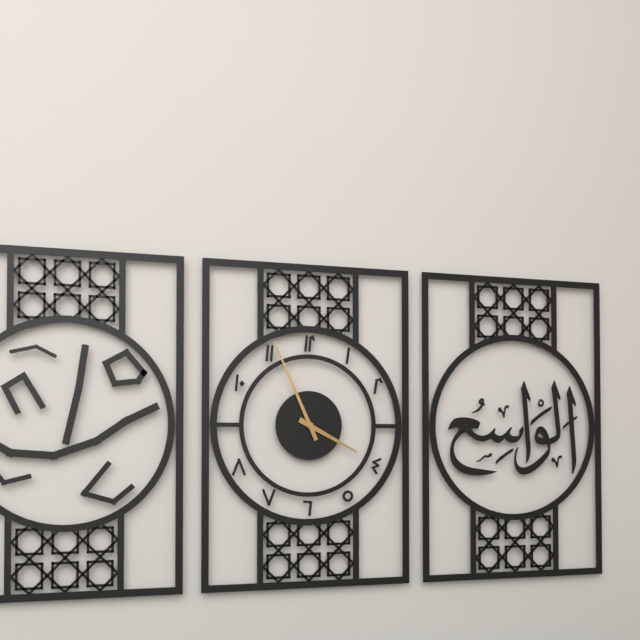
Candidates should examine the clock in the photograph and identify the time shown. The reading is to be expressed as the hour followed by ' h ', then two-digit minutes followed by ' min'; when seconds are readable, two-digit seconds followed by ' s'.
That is 3 h 56 min
